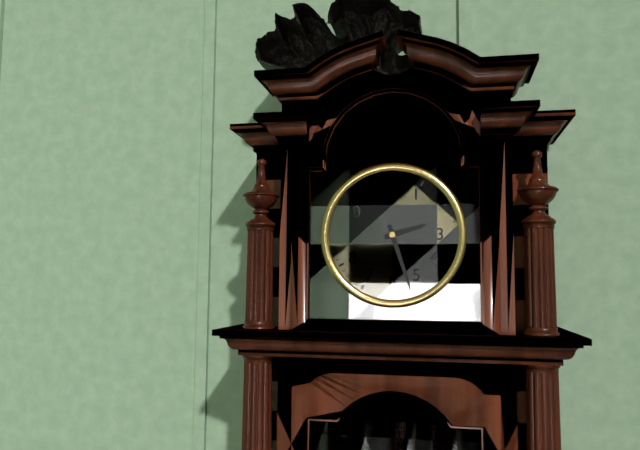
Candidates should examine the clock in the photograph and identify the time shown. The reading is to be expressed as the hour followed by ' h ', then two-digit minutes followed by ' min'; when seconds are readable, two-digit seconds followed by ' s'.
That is 2 h 27 min
